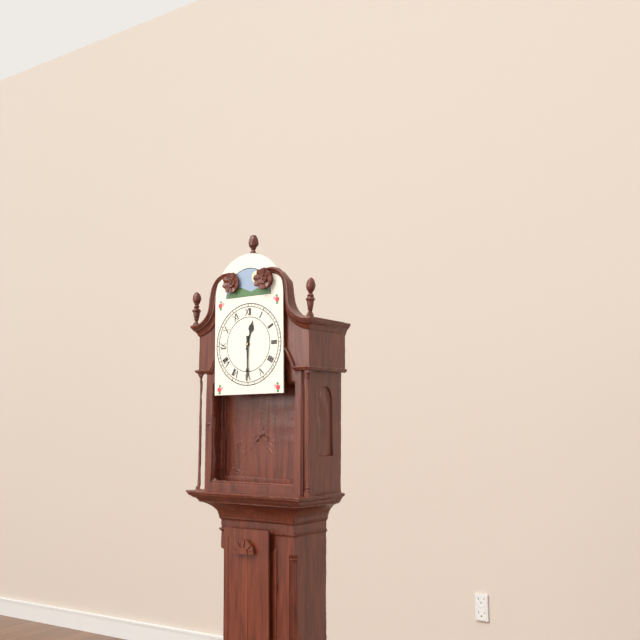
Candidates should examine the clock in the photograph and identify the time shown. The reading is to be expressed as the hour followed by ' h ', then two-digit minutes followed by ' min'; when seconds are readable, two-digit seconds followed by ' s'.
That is 12 h 30 min
